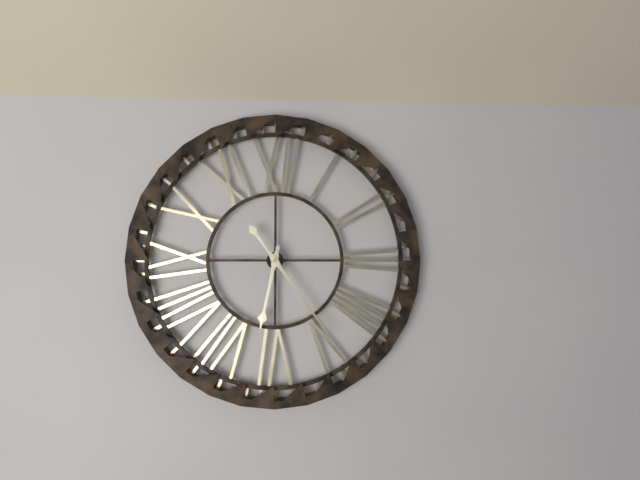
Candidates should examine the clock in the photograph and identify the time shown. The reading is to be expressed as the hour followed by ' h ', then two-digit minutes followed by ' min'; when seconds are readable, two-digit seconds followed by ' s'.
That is 6 h 24 min
